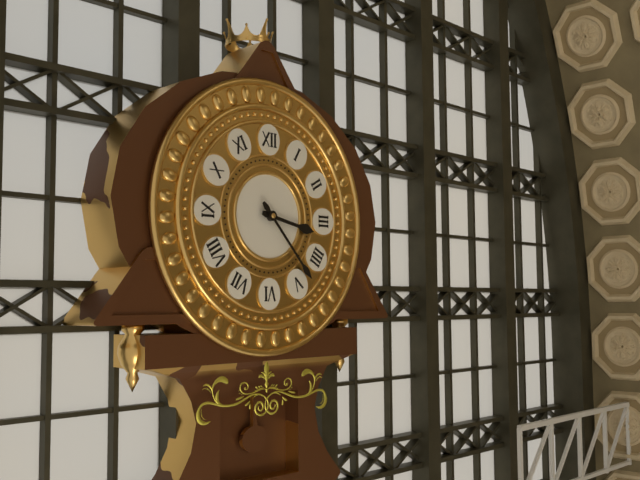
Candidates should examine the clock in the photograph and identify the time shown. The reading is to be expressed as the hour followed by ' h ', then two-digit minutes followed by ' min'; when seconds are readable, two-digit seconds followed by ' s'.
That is 3 h 23 min
